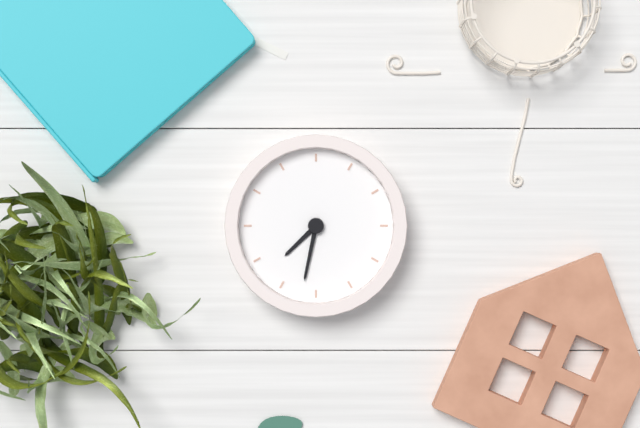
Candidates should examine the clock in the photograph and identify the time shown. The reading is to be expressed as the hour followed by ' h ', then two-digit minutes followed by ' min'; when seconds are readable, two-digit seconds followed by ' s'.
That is 7 h 32 min
